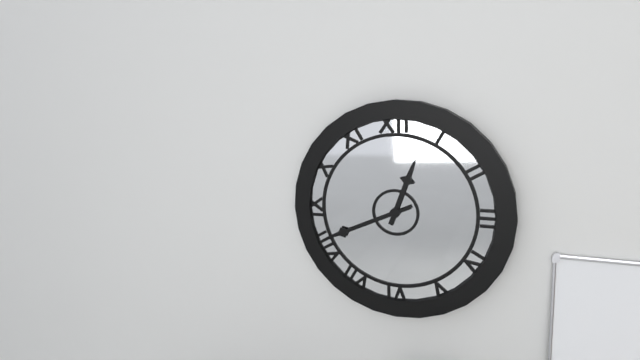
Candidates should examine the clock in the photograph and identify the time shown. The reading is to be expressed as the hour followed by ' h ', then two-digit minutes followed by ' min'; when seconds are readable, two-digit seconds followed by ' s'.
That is 12 h 41 min
